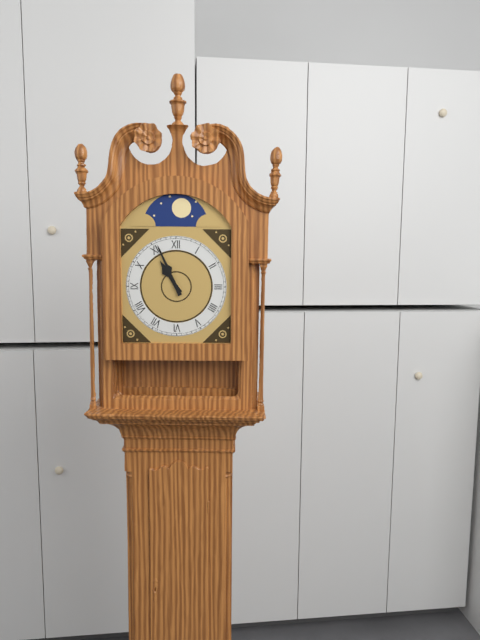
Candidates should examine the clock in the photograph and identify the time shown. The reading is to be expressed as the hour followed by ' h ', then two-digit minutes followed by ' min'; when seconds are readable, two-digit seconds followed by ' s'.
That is 10 h 56 min
